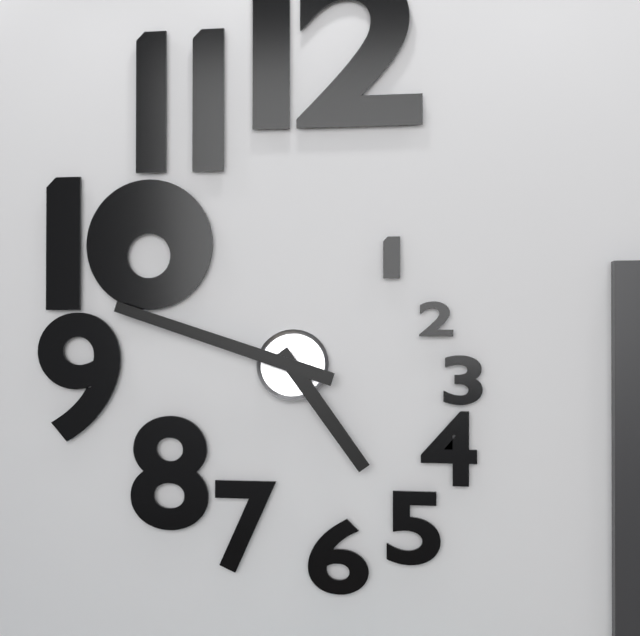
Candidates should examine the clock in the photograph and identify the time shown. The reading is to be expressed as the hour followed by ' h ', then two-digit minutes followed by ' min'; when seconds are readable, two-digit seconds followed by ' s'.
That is 4 h 48 min
